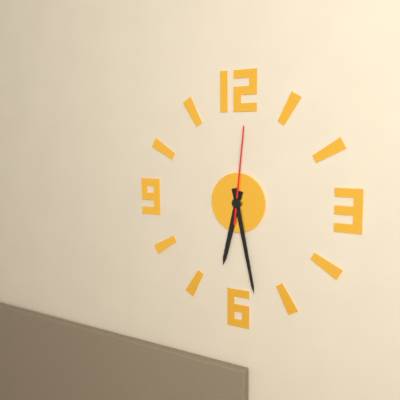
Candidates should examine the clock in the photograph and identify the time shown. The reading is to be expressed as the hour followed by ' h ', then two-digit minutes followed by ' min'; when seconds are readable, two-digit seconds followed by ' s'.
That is 6 h 28 min 01 s
